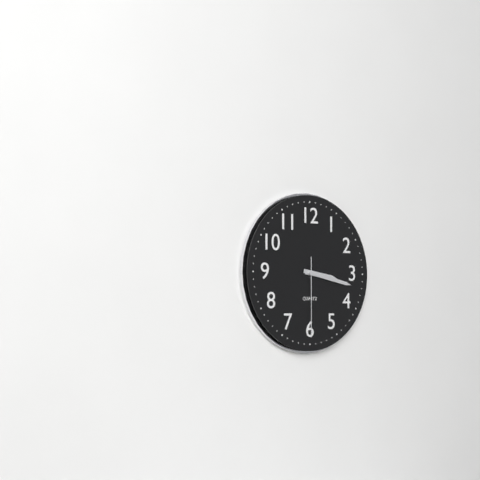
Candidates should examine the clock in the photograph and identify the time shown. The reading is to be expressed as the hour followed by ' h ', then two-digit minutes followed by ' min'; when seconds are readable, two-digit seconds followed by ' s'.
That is 3 h 17 min 30 s
